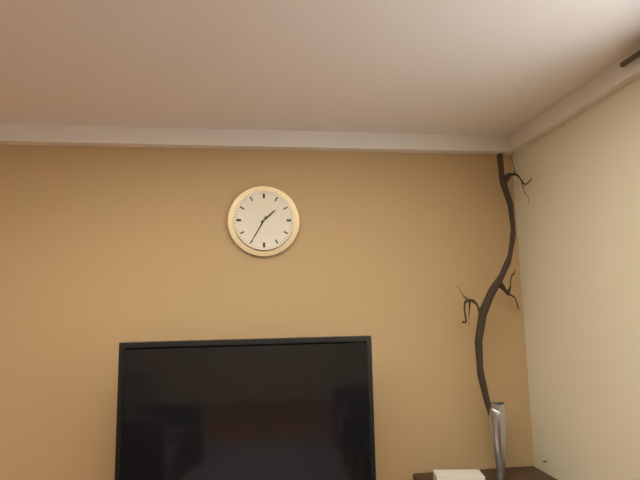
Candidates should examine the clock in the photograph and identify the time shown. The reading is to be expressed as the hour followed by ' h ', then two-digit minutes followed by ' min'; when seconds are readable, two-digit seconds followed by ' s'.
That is 1 h 35 min
